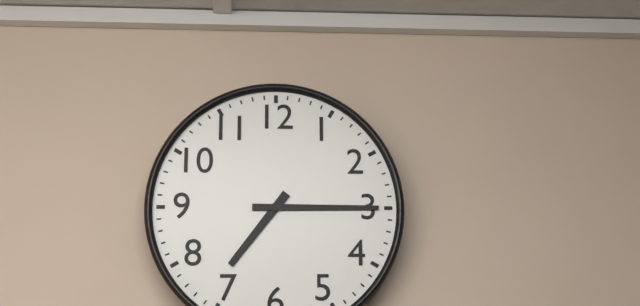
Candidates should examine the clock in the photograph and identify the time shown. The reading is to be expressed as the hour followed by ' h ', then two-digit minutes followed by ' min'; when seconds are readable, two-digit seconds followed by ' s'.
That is 7 h 15 min
